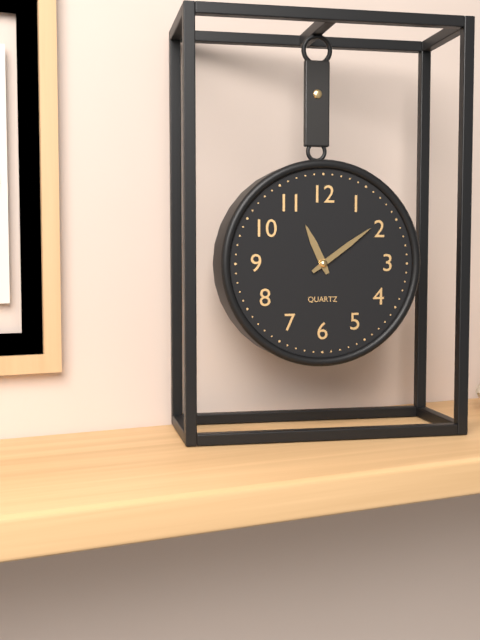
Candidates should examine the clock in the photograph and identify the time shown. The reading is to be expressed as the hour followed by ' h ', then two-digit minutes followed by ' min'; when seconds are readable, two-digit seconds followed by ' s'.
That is 11 h 09 min
